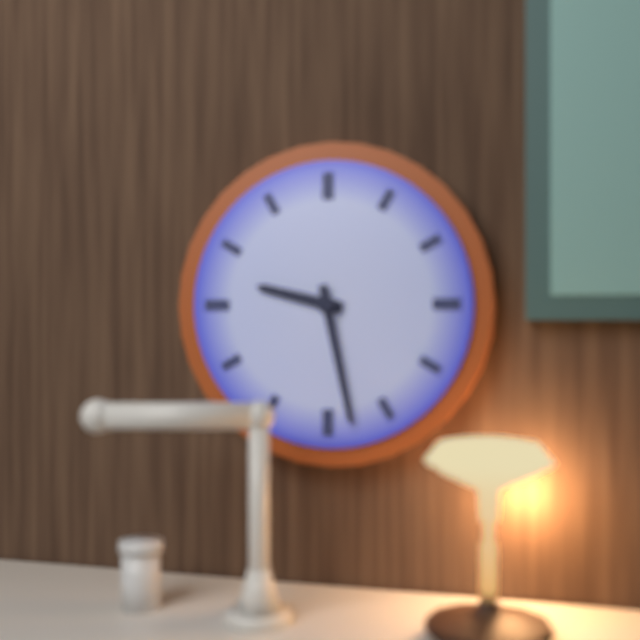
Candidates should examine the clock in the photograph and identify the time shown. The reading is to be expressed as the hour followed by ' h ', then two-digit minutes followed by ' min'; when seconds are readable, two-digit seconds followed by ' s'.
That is 9 h 28 min
